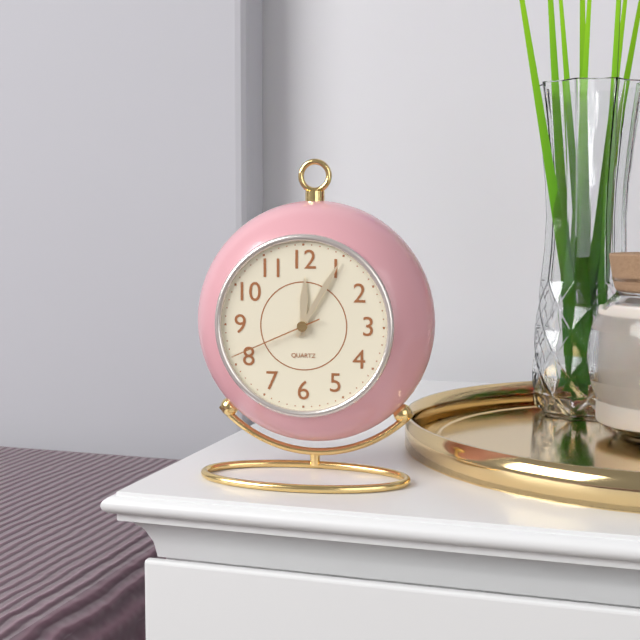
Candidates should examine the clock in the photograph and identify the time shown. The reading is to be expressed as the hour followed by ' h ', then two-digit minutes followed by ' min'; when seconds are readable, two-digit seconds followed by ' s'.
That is 12 h 05 min 41 s
